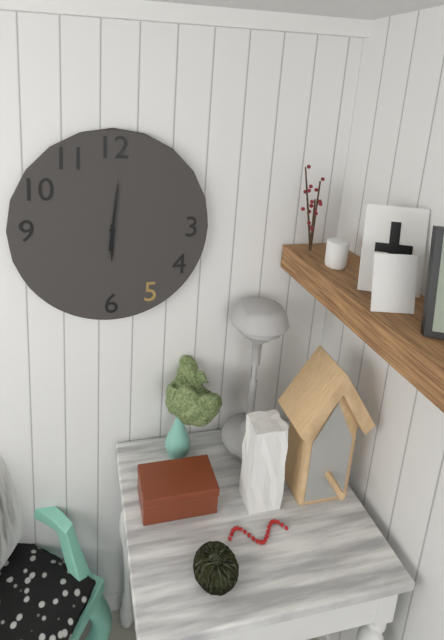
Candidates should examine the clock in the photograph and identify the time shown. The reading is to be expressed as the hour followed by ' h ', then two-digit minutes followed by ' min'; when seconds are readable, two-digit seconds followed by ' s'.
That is 6 h 01 min
